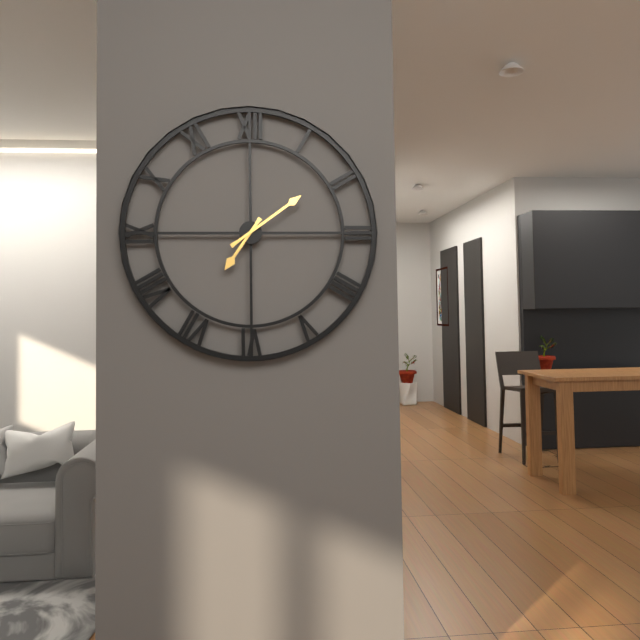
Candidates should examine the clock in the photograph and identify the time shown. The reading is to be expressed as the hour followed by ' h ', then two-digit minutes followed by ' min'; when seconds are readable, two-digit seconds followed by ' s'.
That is 7 h 09 min
